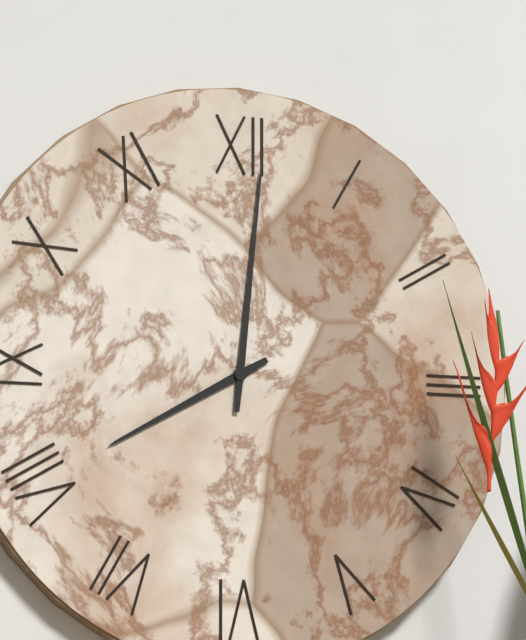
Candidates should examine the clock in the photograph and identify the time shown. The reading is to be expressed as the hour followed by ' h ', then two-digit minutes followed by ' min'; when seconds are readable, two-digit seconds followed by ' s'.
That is 8 h 01 min
